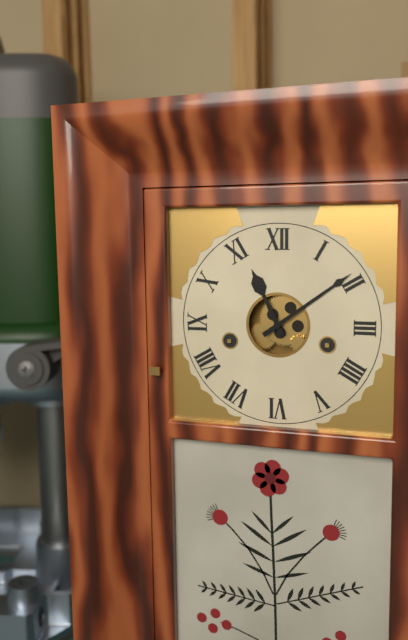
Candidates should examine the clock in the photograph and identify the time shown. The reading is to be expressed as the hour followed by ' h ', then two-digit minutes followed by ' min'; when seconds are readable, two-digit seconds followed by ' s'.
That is 11 h 09 min
